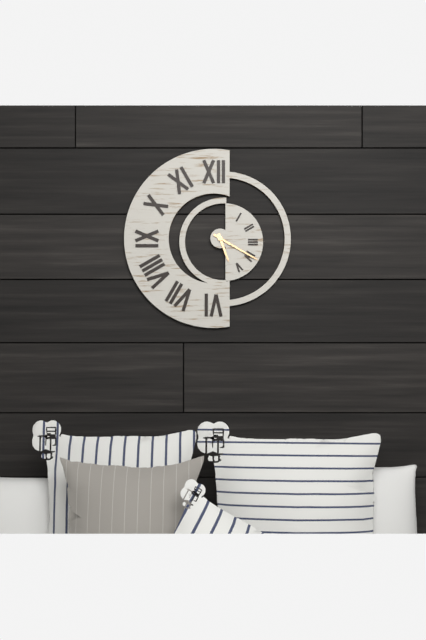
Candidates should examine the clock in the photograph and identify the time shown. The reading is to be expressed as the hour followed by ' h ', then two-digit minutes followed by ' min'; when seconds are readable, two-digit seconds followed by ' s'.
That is 5 h 20 min
